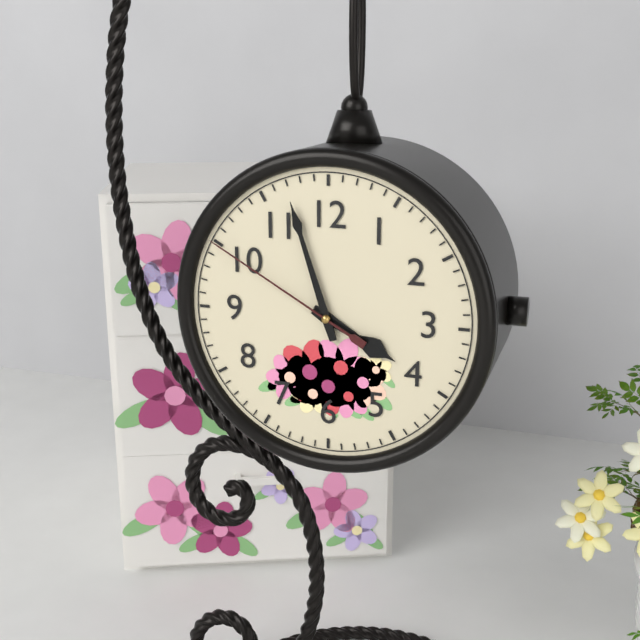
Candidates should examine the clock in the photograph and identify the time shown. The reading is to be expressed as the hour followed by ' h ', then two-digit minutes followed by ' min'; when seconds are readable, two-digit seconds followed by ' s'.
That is 3 h 57 min 50 s
